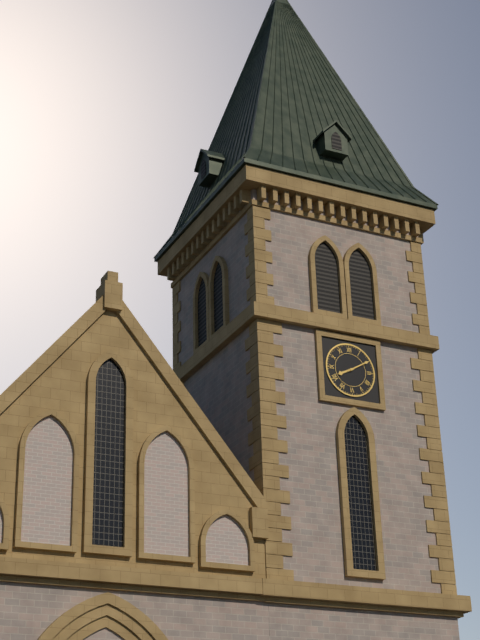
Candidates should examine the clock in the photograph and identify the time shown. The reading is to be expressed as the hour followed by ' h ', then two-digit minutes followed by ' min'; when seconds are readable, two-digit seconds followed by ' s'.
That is 8 h 10 min
